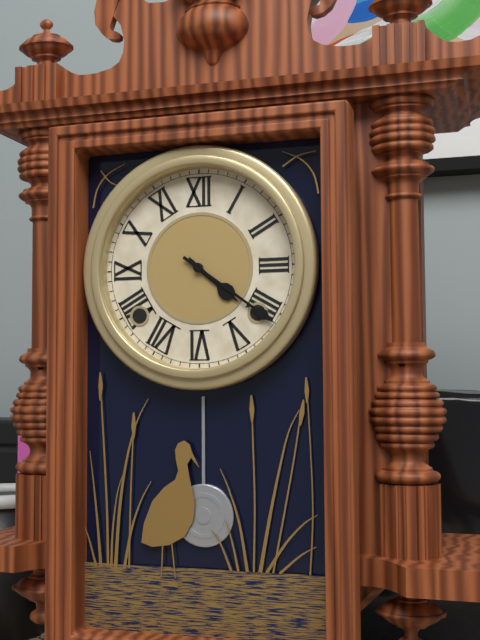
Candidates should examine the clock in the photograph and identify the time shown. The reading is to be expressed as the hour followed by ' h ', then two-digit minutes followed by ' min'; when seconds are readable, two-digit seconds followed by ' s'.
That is 4 h 21 min
